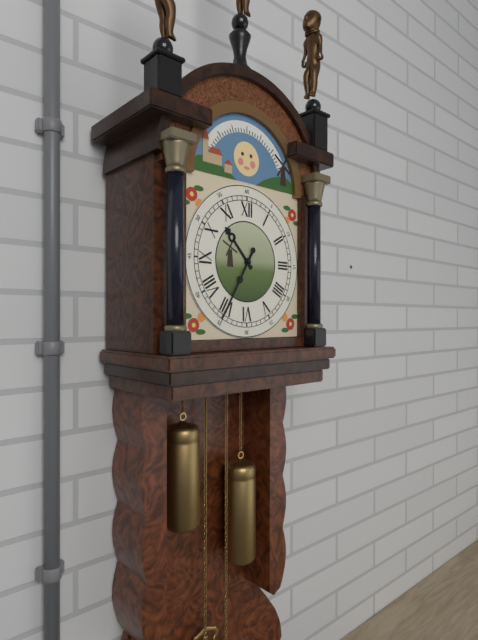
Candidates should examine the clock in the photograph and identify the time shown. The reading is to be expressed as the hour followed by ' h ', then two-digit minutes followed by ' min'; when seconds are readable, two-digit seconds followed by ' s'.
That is 10 h 35 min
